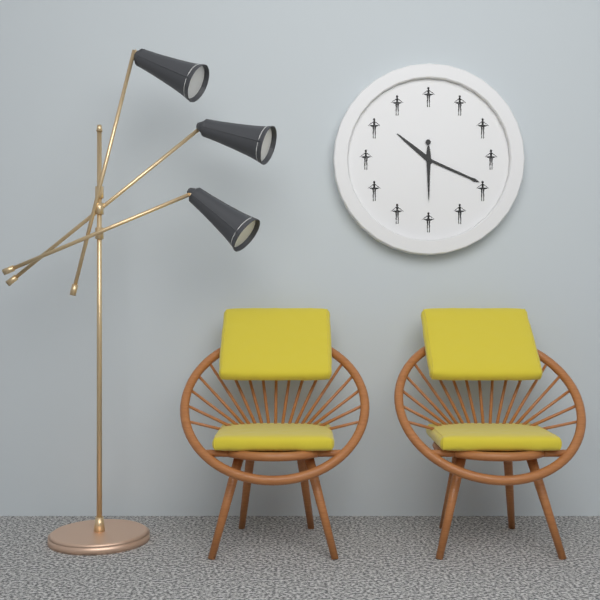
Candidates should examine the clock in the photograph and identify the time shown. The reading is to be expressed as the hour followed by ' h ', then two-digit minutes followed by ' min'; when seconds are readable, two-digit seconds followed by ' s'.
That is 10 h 19 min
